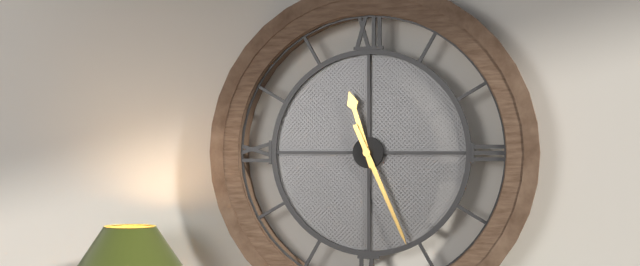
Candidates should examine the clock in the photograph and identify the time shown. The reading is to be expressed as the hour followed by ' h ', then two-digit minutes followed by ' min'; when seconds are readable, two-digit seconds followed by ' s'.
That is 11 h 26 min
